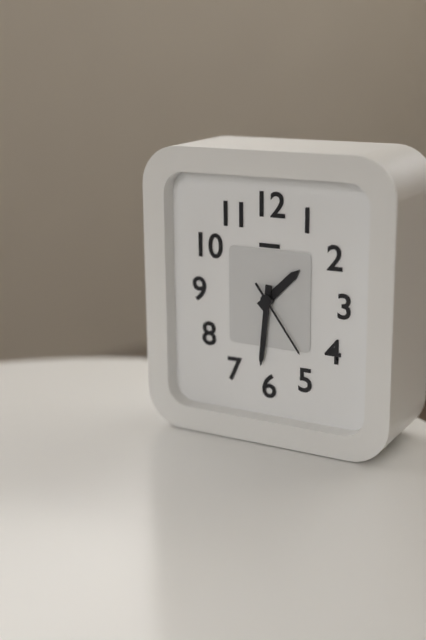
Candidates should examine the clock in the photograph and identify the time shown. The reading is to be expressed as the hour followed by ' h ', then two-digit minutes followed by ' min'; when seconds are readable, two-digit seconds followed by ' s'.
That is 1 h 31 min 24 s
